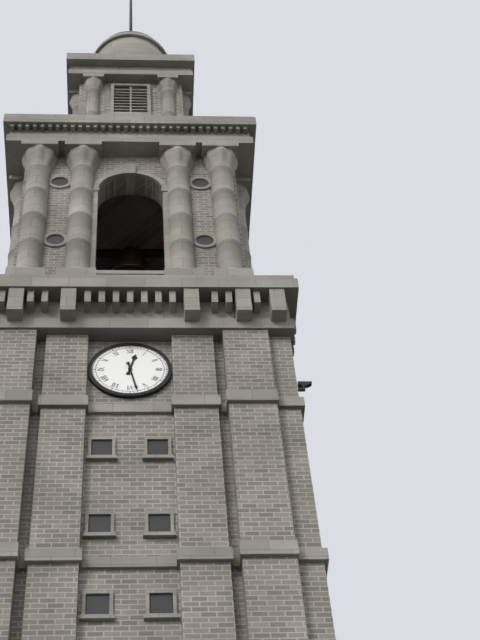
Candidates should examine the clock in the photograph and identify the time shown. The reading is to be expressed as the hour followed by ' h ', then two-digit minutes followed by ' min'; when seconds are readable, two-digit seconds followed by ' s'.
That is 12 h 28 min
